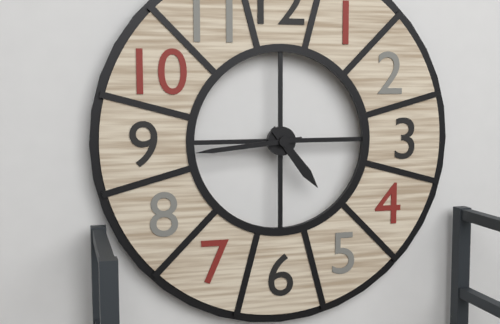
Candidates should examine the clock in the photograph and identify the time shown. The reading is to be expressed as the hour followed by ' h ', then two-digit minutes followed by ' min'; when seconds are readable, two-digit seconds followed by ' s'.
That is 4 h 44 min
